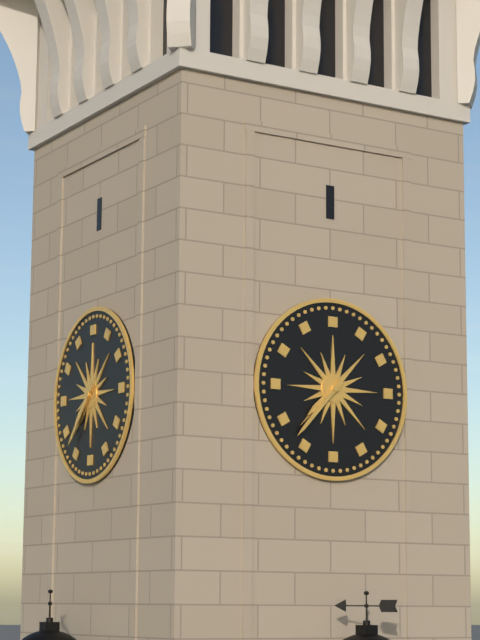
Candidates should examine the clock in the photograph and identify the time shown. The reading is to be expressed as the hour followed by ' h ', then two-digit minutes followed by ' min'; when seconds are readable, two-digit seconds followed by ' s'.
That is 7 h 37 min
